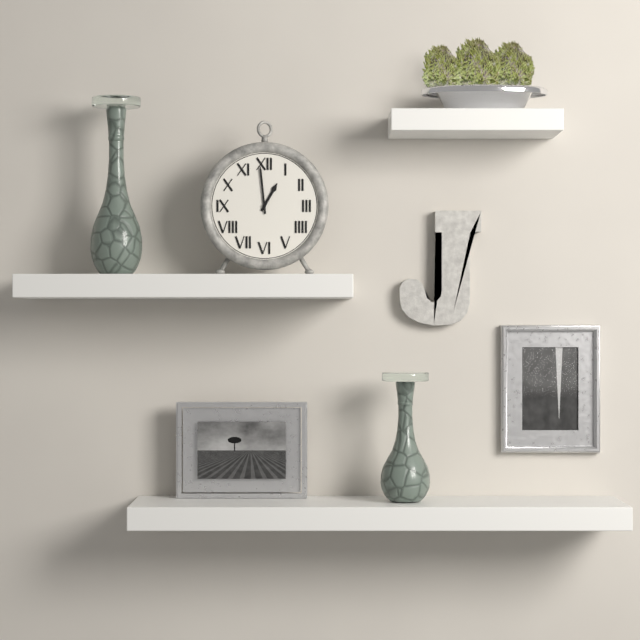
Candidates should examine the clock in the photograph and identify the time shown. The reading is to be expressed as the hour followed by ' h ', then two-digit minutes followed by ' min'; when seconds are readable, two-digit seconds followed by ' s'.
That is 12 h 59 min
